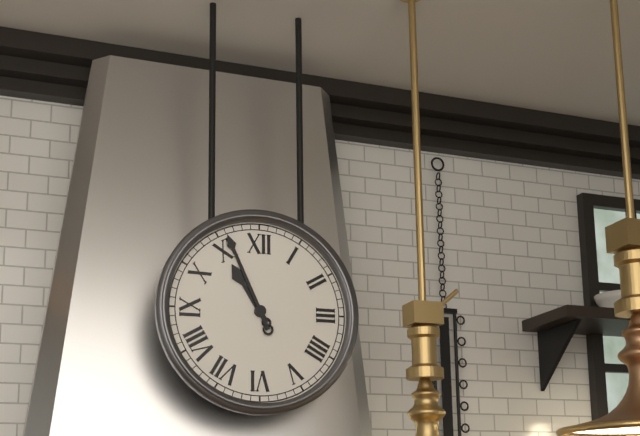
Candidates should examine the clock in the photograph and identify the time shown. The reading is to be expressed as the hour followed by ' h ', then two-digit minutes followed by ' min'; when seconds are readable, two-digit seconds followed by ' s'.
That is 10 h 56 min
